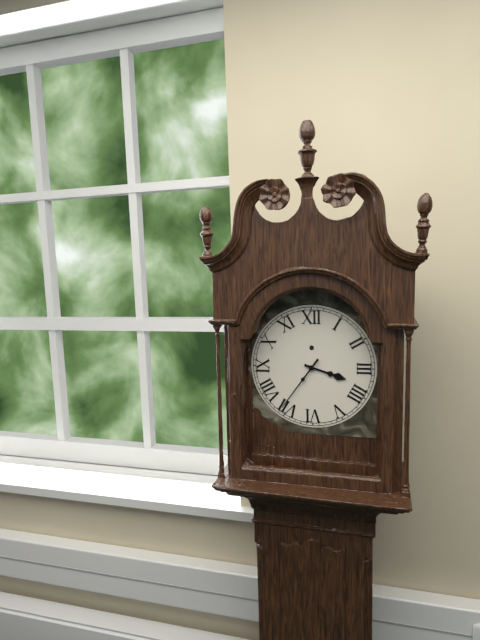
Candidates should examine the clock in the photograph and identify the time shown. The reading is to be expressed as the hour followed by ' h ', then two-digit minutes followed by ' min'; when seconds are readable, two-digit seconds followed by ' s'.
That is 3 h 36 min
